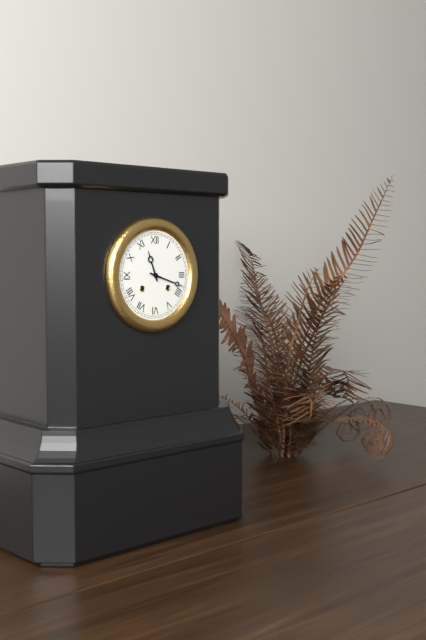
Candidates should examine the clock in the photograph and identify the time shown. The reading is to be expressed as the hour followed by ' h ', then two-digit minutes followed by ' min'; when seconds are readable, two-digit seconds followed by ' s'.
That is 11 h 18 min
